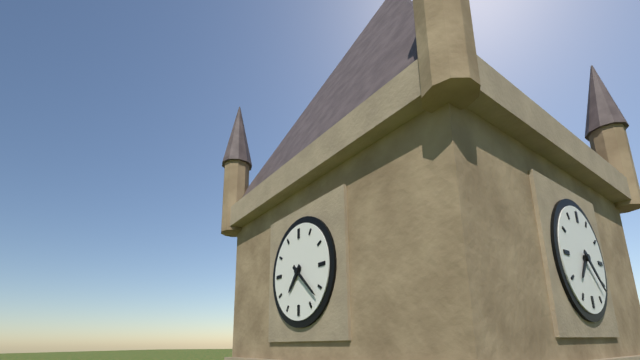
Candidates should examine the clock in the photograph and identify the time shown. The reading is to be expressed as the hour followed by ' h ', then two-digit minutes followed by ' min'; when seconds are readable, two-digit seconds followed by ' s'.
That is 7 h 22 min
